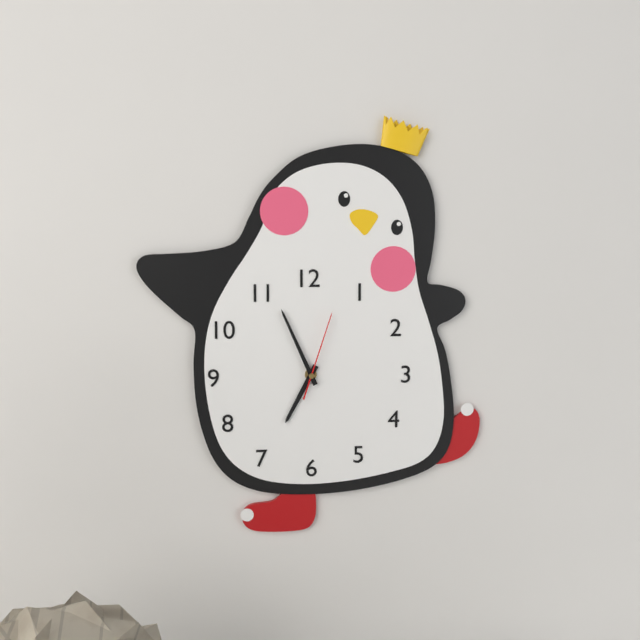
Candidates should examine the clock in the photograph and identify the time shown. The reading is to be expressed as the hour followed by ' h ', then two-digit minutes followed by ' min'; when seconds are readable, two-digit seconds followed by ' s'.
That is 6 h 56 min 03 s
